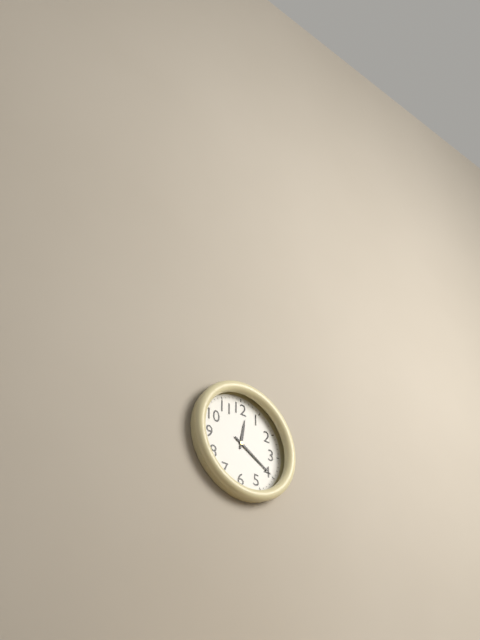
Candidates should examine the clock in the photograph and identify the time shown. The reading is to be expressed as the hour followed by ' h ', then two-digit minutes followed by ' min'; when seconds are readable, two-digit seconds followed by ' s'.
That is 12 h 20 min
